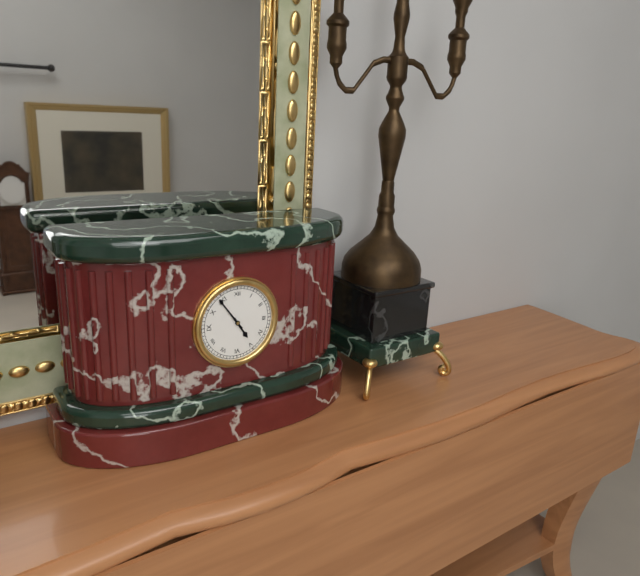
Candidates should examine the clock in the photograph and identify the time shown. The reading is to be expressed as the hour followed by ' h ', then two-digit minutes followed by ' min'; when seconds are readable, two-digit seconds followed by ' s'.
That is 4 h 54 min
